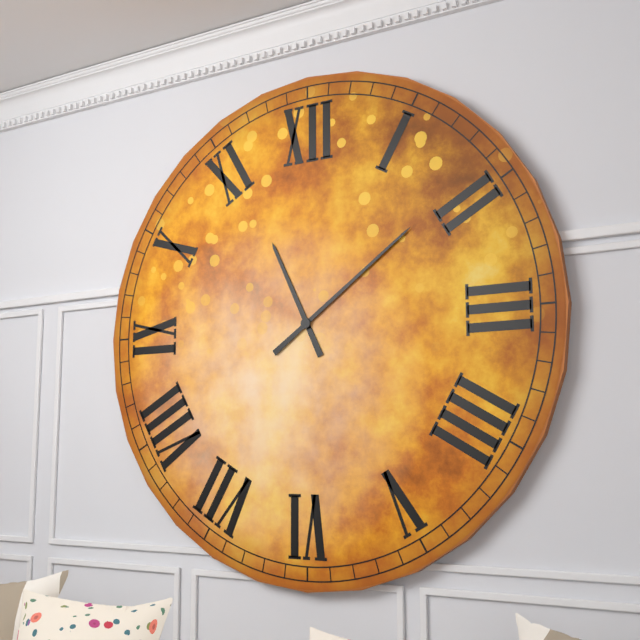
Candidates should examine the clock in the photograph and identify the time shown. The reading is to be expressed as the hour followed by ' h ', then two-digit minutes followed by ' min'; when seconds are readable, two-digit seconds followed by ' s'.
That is 11 h 09 min
